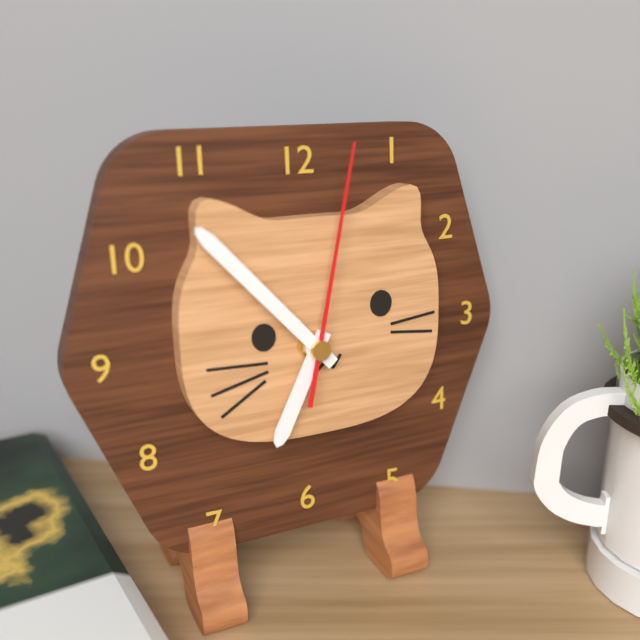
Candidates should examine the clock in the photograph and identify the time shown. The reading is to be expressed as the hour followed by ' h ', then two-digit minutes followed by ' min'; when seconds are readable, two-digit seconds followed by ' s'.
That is 6 h 53 min 02 s
